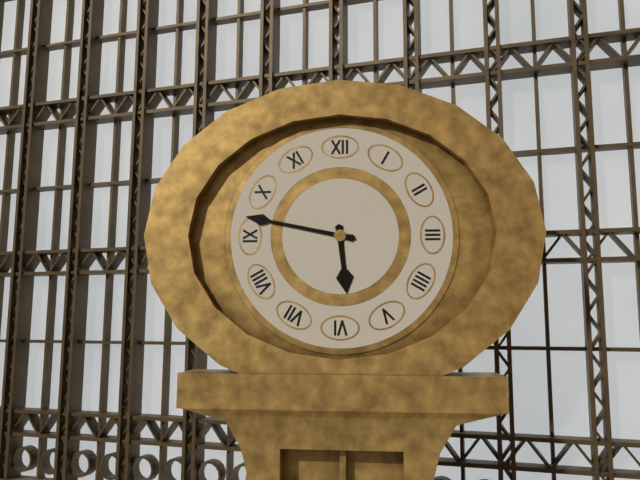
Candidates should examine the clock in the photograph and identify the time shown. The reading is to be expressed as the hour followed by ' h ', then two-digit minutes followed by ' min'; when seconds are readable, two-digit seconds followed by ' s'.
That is 5 h 47 min
